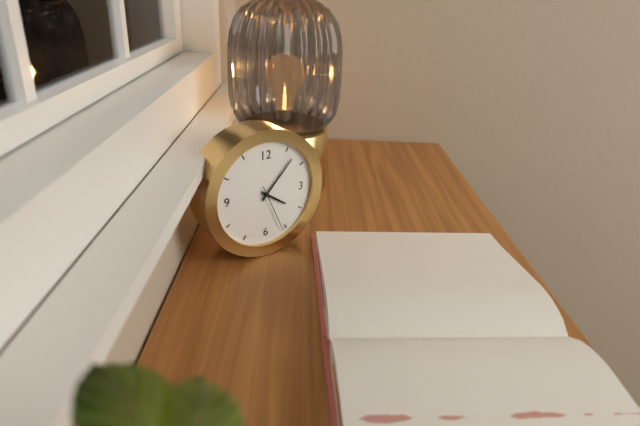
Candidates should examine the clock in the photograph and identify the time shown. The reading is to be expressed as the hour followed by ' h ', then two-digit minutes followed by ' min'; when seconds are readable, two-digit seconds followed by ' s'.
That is 4 h 07 min 26 s
